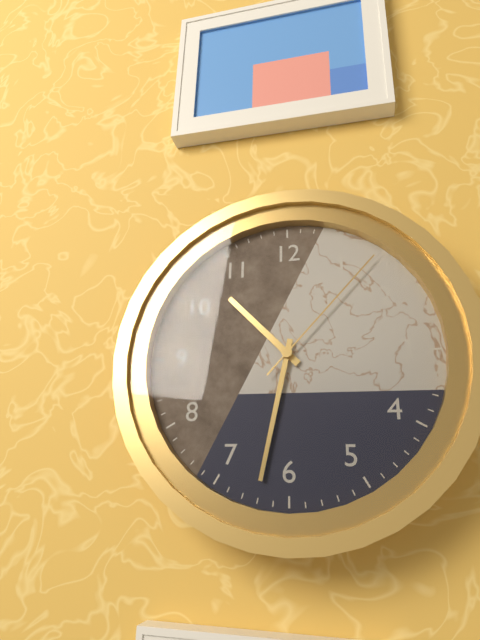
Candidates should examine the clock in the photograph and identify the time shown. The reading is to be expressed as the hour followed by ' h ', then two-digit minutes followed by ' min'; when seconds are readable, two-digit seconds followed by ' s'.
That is 10 h 32 min 07 s
